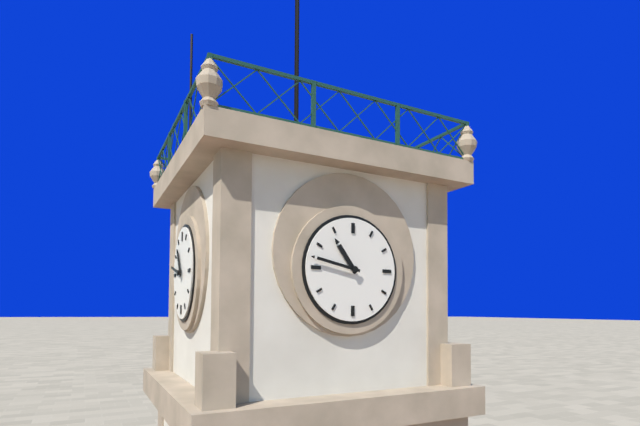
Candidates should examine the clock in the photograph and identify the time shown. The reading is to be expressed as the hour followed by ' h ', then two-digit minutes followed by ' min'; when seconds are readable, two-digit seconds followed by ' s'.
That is 10 h 47 min
